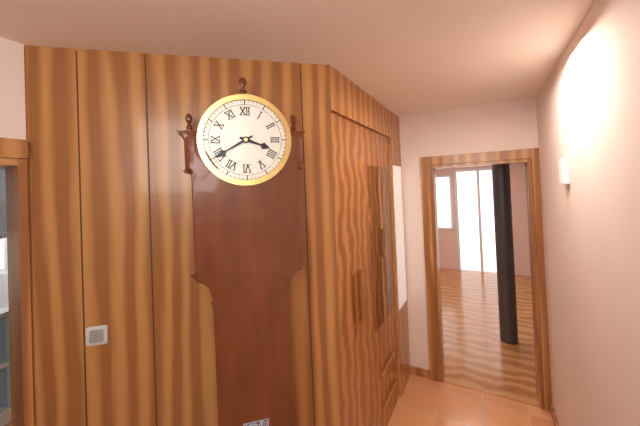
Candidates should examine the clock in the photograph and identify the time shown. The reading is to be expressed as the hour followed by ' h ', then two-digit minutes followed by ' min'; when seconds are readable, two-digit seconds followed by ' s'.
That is 3 h 40 min
